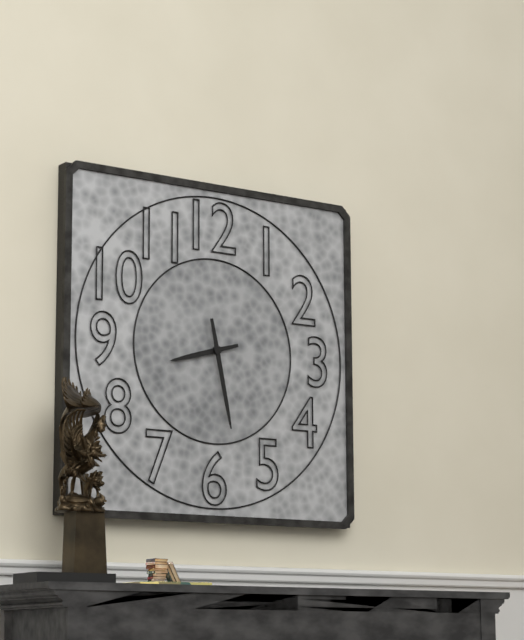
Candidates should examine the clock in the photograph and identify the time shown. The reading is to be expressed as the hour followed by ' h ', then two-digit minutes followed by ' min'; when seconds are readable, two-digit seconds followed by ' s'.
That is 8 h 28 min
